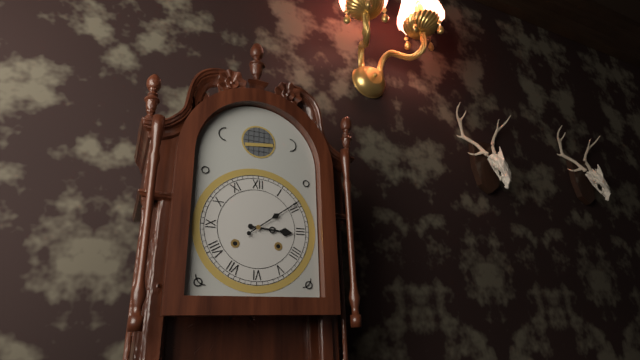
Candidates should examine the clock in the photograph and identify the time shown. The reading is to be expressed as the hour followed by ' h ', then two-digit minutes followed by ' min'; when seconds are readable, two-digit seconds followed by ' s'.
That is 3 h 09 min
